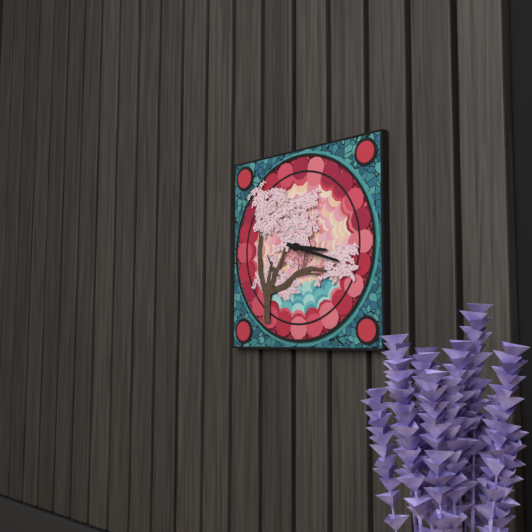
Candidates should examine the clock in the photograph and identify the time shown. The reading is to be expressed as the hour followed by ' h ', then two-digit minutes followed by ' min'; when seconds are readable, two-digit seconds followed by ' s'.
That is 3 h 18 min
